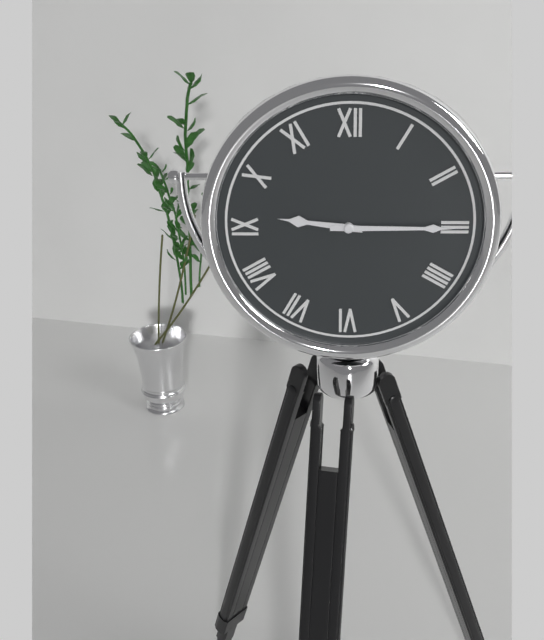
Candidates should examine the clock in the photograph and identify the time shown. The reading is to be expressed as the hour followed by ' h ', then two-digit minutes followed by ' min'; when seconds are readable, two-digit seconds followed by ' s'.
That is 9 h 15 min
